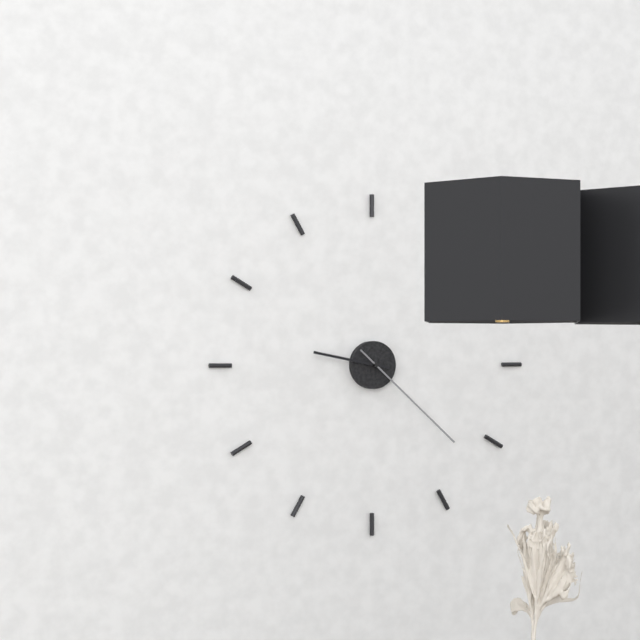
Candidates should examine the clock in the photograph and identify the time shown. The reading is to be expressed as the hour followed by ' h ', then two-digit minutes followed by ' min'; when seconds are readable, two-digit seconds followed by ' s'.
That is 9 h 22 min
